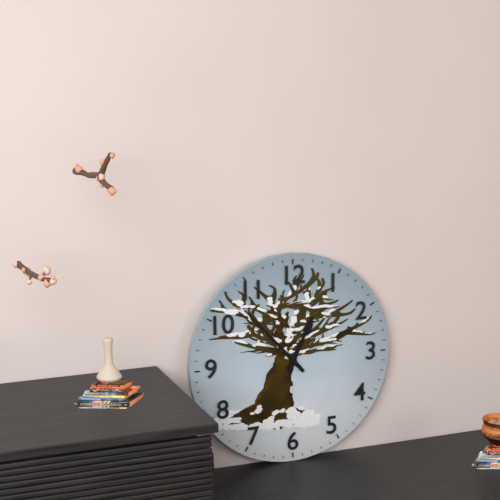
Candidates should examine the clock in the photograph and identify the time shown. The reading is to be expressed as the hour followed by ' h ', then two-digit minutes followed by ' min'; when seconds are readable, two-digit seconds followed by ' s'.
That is 12 h 53 min
